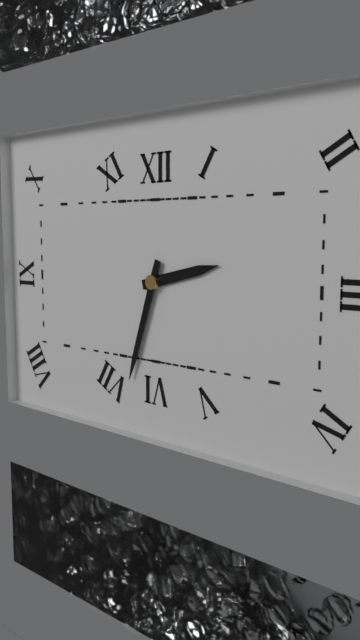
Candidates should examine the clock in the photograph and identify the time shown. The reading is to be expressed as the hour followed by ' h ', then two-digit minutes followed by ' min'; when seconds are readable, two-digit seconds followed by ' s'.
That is 2 h 33 min
